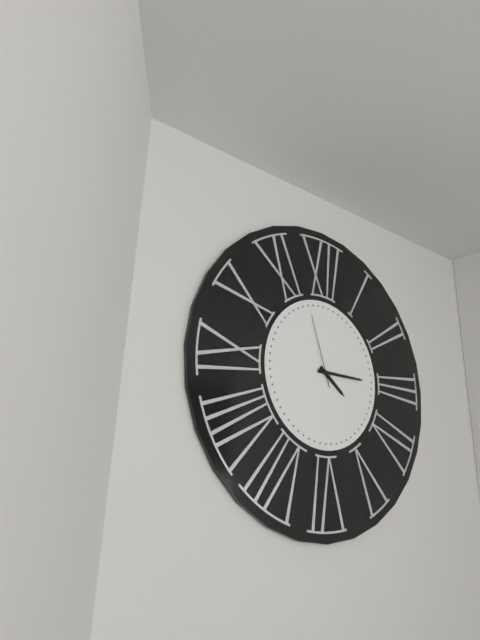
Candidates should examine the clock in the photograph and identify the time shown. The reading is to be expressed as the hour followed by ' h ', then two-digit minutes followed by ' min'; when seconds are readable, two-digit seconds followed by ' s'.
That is 4 h 15 min 57 s
